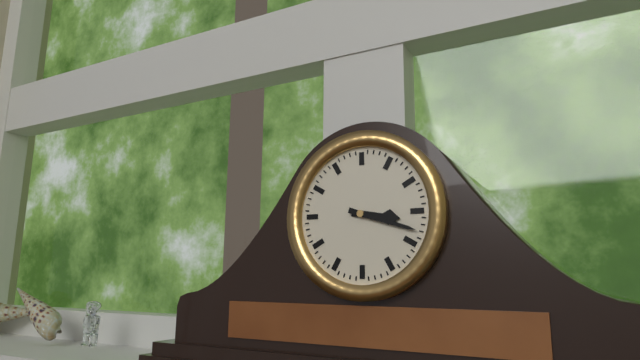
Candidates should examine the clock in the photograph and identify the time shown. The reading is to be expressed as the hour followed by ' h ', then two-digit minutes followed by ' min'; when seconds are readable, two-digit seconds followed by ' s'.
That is 3 h 18 min
